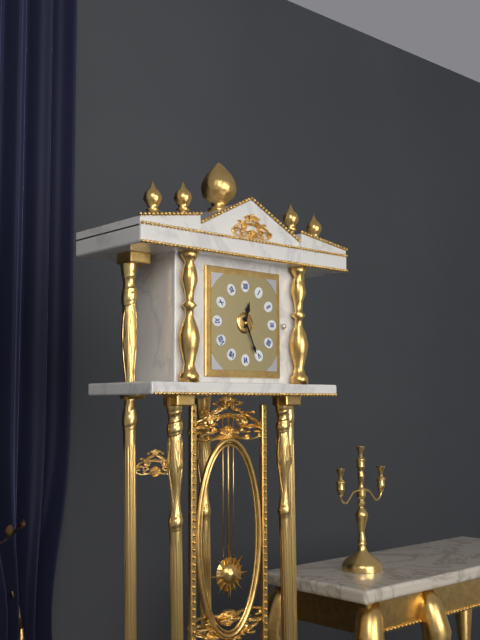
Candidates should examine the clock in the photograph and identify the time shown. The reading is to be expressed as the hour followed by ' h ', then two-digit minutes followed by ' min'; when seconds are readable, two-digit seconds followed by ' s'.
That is 12 h 26 min
